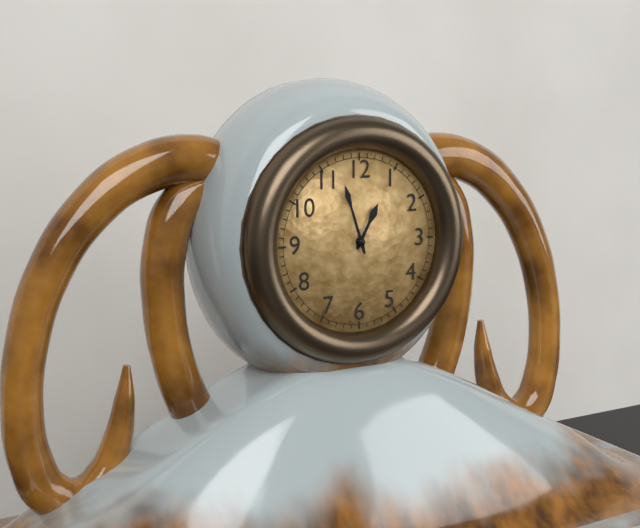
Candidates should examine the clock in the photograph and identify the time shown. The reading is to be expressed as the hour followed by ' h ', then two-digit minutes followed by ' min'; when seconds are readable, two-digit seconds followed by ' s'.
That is 12 h 57 min
